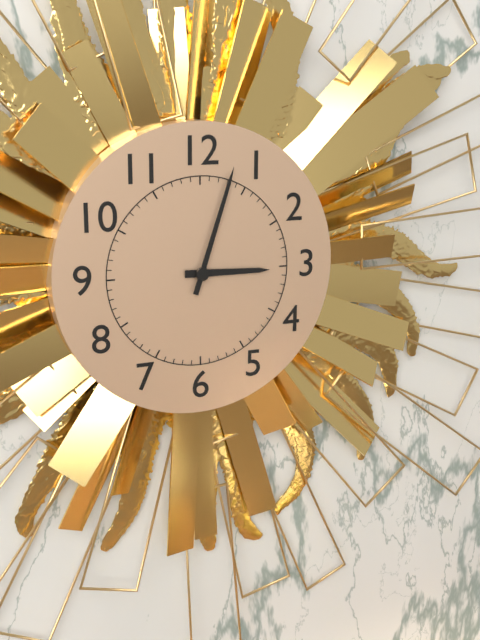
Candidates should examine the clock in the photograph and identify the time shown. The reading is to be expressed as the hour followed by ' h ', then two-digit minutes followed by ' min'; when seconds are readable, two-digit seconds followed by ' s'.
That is 3 h 03 min
